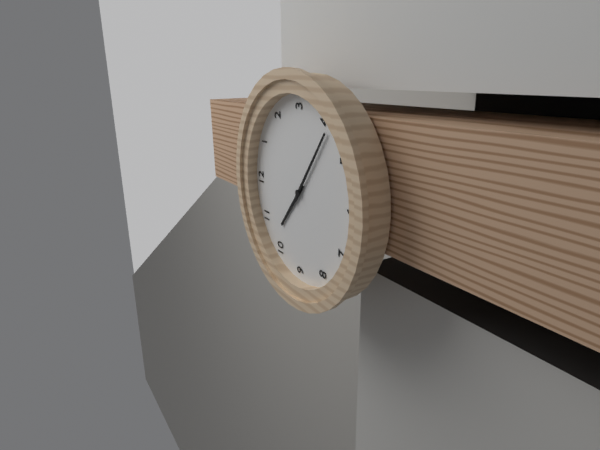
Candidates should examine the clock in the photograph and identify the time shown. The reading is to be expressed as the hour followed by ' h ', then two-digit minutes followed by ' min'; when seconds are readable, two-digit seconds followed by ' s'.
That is 10 h 21 min
